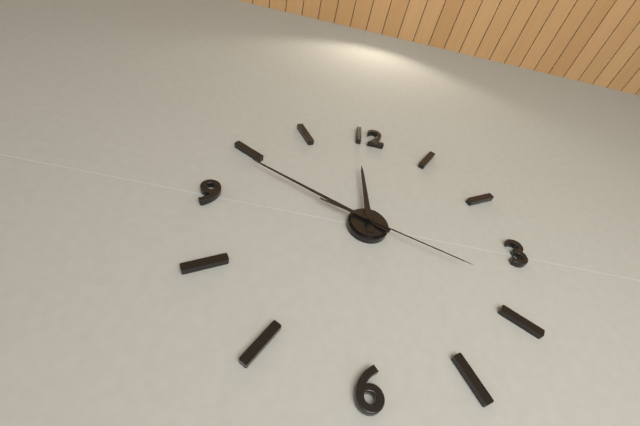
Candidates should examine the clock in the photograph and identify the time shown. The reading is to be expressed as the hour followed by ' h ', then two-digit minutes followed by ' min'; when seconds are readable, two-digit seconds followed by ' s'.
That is 11 h 49 min 18 s
